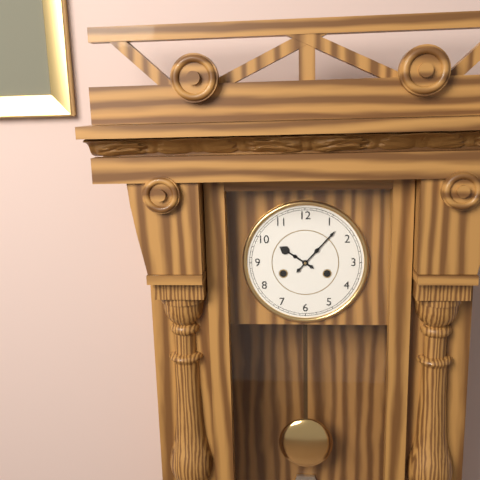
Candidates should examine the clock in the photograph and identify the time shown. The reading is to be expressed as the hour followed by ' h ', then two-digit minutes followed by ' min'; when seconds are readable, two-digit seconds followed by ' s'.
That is 10 h 07 min
